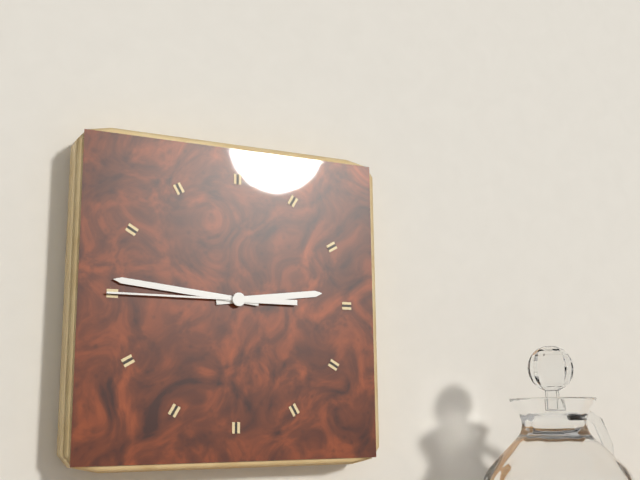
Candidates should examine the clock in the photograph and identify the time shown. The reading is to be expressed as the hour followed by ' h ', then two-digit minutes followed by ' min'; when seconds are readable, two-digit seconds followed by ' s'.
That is 2 h 46 min 45 s
